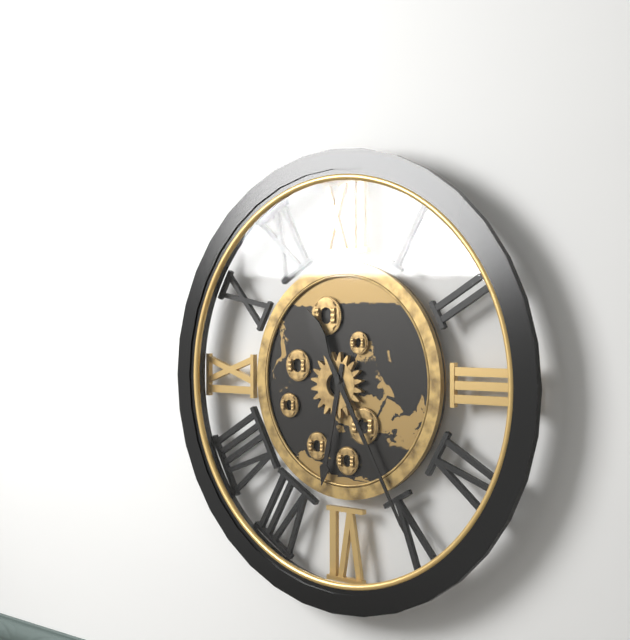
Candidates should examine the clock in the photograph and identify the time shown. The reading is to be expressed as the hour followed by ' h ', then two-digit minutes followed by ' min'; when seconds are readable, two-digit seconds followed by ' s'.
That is 6 h 25 min
